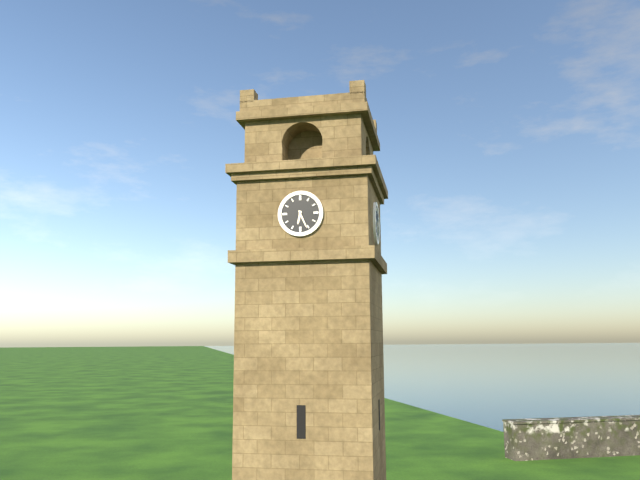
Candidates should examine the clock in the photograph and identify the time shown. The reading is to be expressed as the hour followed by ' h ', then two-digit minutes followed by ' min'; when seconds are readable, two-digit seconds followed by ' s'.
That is 6 h 26 min
